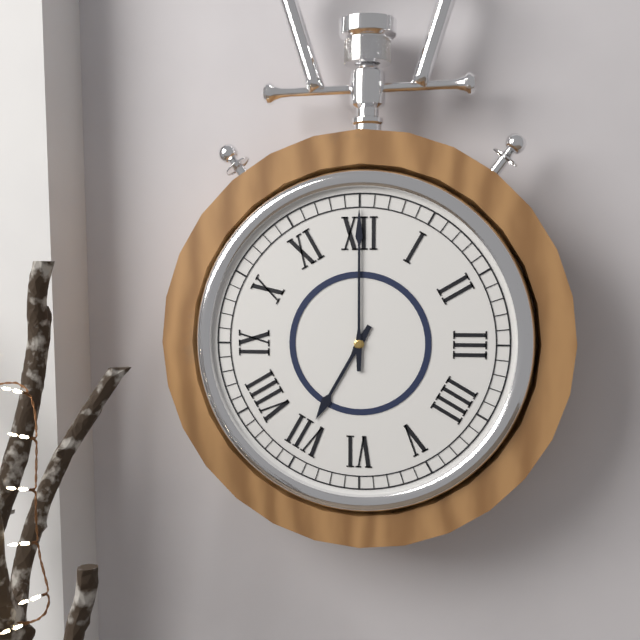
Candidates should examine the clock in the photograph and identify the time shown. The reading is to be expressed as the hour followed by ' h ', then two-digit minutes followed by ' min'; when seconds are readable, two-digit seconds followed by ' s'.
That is 7 h 00 min
